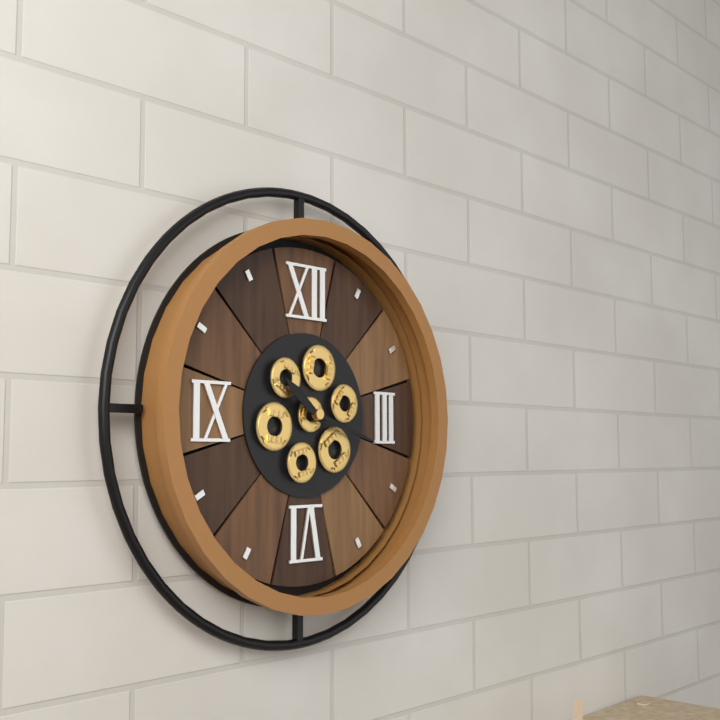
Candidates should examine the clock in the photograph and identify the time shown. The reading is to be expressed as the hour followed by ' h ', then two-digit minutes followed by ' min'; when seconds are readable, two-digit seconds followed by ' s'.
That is 10 h 18 min
